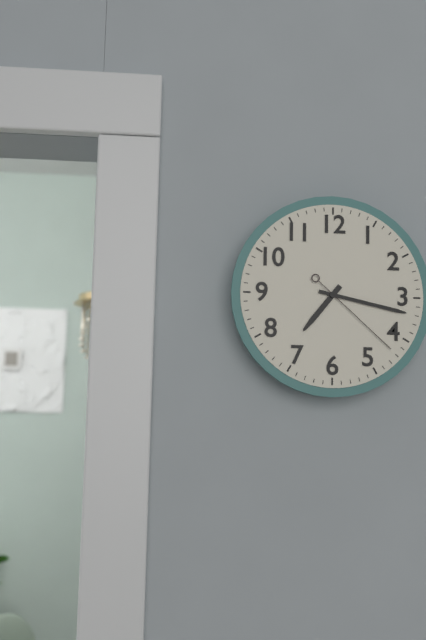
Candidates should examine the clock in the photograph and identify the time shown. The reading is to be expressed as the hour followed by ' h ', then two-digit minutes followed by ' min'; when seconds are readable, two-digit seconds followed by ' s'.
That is 7 h 17 min 22 s
